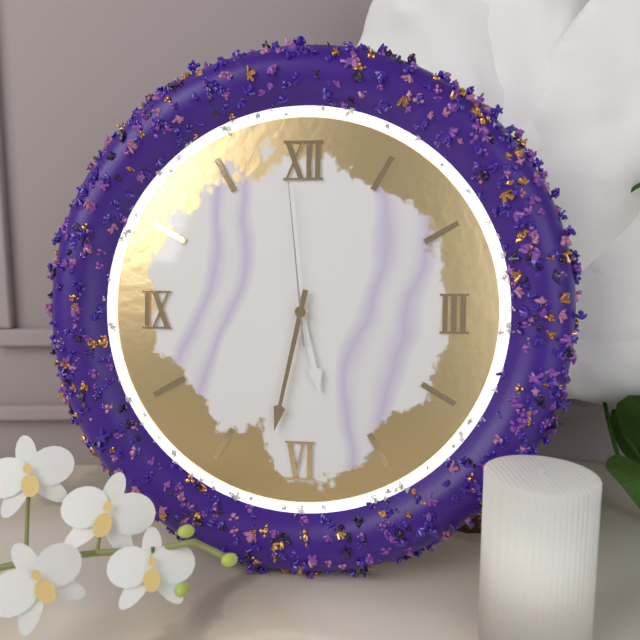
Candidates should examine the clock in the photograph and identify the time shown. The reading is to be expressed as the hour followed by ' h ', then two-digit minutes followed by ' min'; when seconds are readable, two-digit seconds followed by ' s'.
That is 5 h 32 min 59 s
